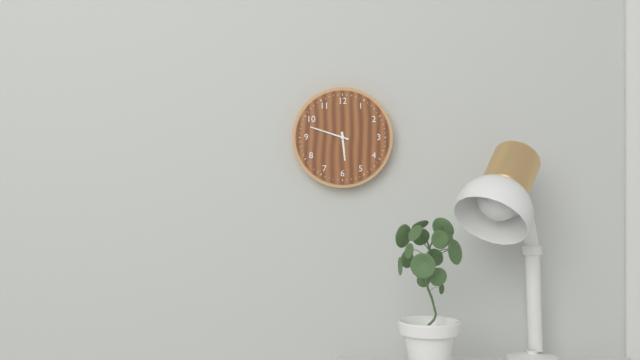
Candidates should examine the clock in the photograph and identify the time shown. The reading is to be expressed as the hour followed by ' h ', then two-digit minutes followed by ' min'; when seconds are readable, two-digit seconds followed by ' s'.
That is 5 h 48 min
